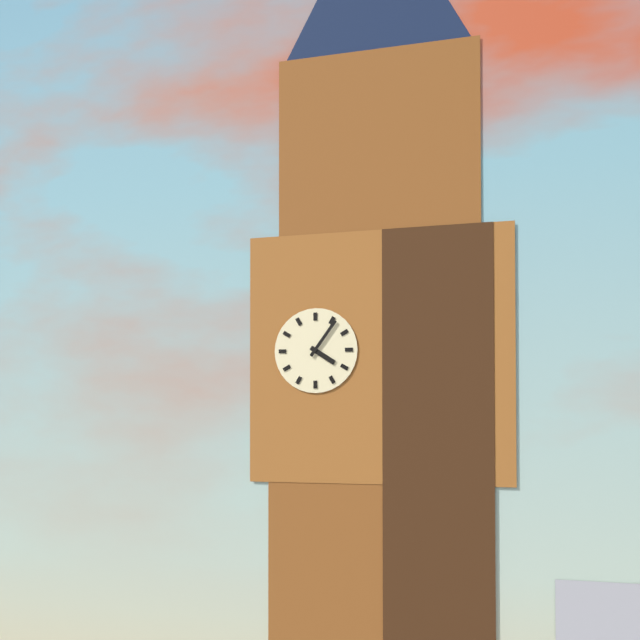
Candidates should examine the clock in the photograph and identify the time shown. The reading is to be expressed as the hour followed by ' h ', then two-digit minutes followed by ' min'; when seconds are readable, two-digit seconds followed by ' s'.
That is 4 h 06 min
